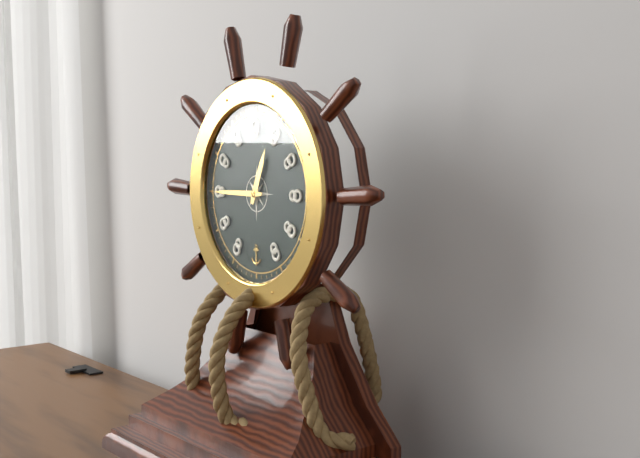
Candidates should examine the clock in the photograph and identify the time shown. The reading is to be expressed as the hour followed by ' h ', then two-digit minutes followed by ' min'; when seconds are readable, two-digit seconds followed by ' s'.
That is 12 h 45 min
